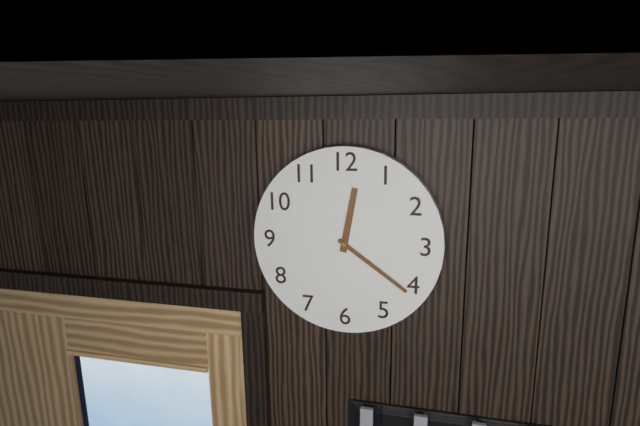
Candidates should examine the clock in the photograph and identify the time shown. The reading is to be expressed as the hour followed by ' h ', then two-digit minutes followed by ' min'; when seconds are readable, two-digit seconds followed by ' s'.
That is 12 h 21 min
